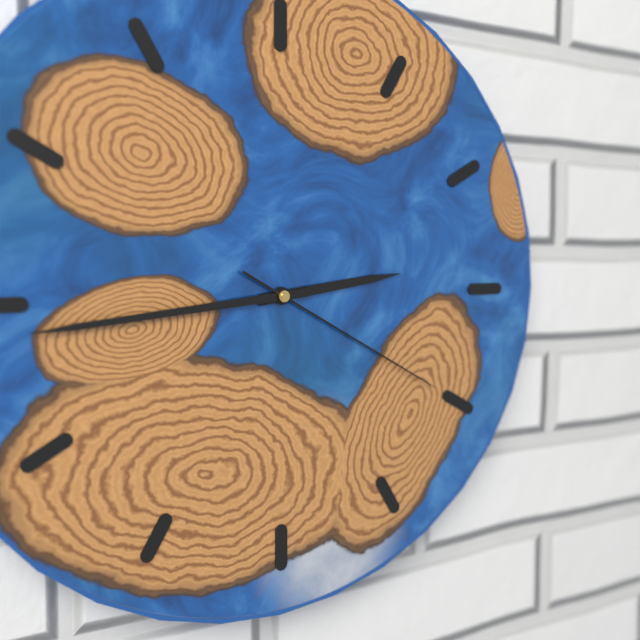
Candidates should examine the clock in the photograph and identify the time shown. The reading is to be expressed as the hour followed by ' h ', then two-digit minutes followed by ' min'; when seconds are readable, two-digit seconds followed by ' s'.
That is 2 h 44 min 20 s
